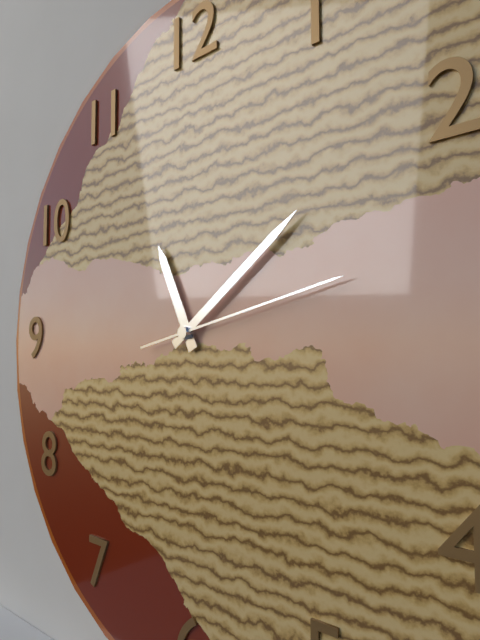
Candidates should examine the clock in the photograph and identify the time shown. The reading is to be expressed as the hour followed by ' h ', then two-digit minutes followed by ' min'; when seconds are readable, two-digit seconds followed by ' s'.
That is 11 h 09 min 13 s
